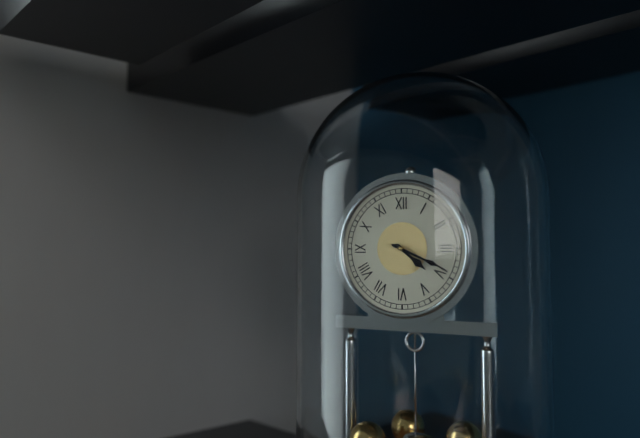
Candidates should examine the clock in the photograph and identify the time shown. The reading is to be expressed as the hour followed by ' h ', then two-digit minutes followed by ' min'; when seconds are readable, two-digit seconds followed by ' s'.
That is 4 h 19 min
